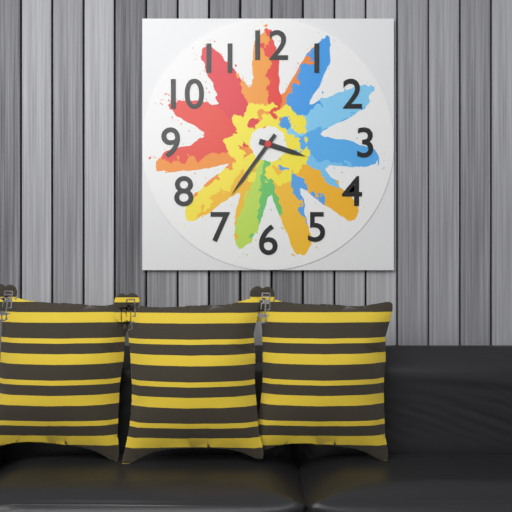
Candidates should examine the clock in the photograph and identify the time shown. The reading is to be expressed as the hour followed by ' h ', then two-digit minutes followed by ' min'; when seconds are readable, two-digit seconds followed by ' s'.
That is 3 h 36 min
